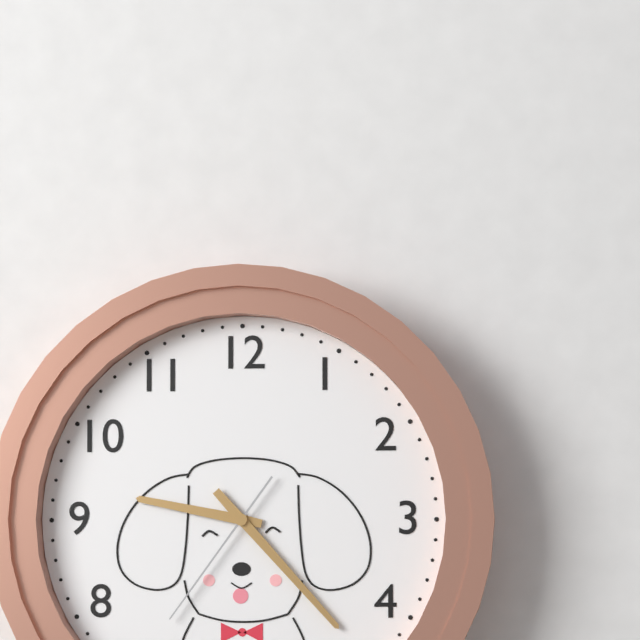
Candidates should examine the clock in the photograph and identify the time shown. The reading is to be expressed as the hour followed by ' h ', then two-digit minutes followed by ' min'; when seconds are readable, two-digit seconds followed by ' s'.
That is 9 h 23 min 36 s
